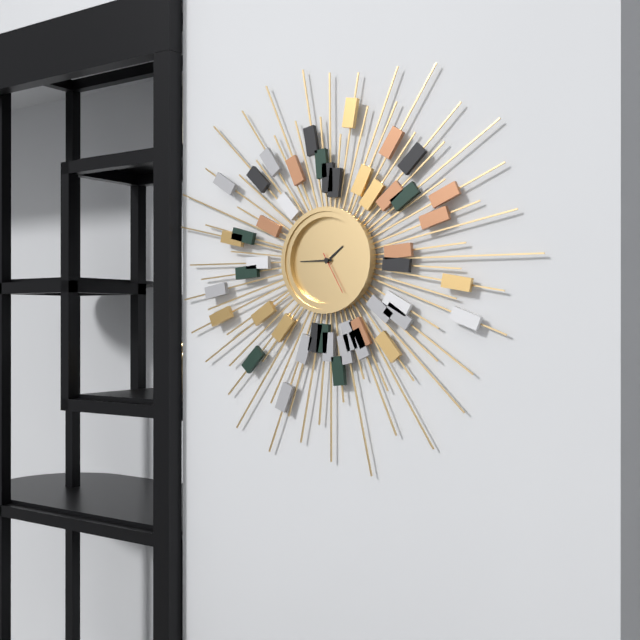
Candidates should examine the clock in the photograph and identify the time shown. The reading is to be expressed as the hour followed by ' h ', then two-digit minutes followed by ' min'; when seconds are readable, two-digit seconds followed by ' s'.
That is 1 h 45 min
